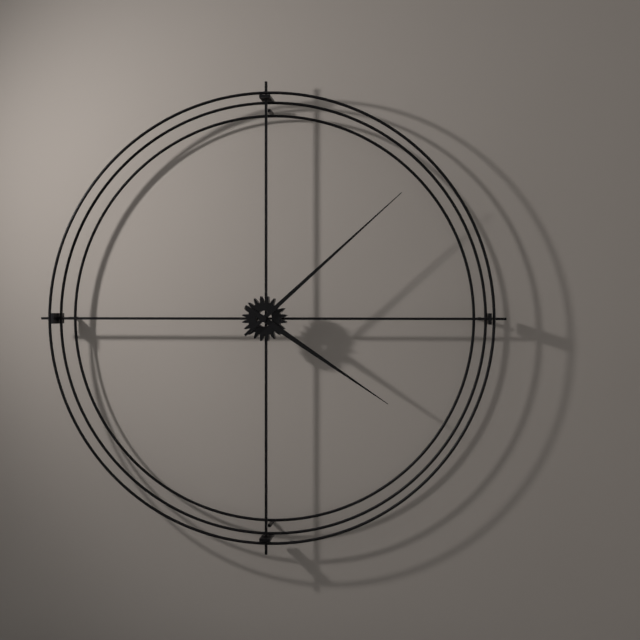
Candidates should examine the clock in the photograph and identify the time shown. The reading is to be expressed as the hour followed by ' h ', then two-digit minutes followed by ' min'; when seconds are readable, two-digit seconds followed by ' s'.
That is 4 h 08 min
